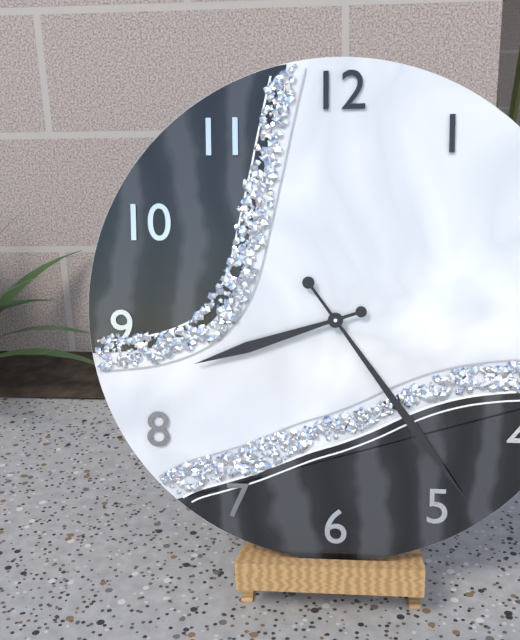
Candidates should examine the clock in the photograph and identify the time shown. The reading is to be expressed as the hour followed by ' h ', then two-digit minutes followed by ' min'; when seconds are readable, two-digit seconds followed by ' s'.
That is 8 h 24 min
